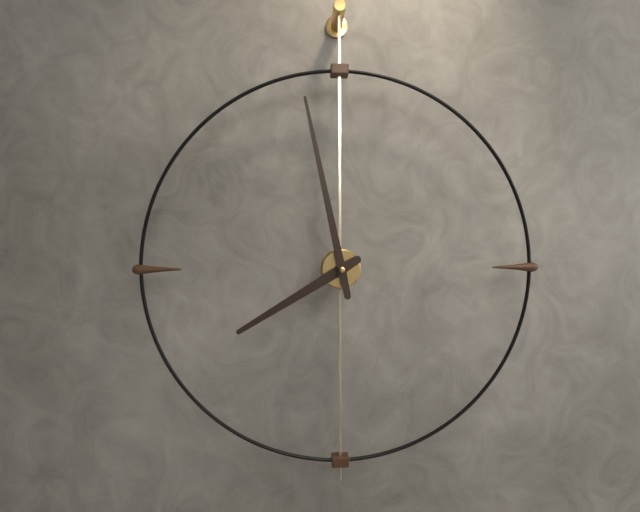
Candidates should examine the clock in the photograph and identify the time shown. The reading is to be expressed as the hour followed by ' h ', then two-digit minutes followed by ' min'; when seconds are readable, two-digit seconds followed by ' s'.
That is 7 h 58 min
